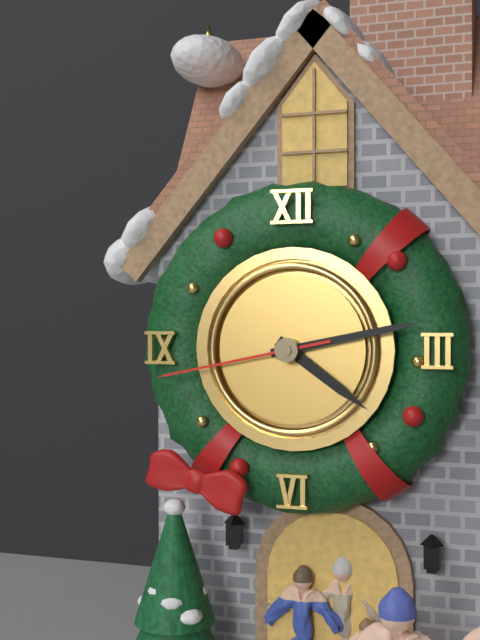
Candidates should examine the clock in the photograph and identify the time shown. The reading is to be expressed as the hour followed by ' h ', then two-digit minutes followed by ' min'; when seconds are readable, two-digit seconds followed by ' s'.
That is 4 h 13 min 43 s
